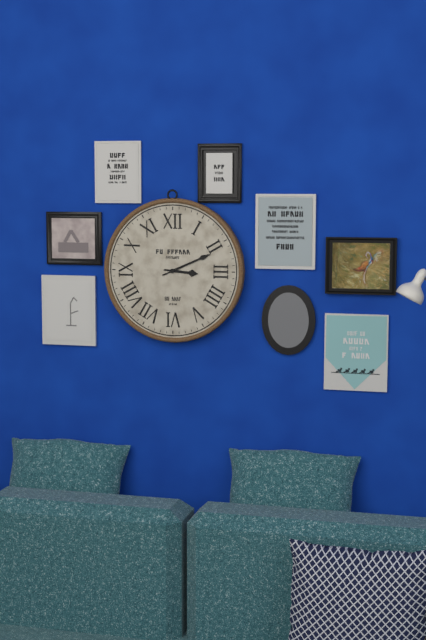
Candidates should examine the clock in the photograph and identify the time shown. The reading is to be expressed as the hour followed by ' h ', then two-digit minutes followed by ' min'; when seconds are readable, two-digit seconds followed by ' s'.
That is 3 h 11 min
